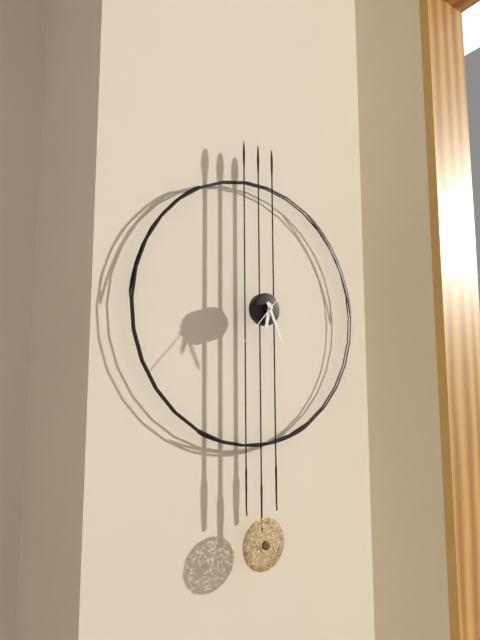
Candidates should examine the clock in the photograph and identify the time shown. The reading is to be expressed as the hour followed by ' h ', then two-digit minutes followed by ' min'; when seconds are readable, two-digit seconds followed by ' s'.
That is 6 h 26 min 37 s
